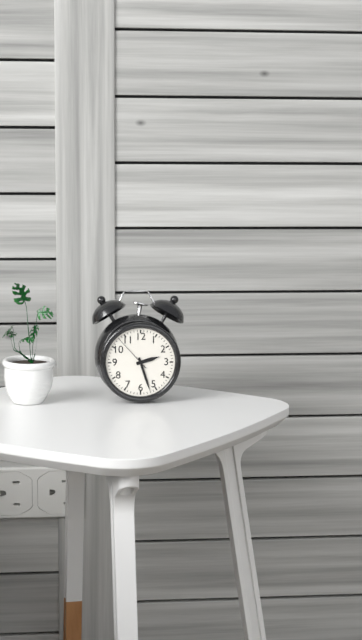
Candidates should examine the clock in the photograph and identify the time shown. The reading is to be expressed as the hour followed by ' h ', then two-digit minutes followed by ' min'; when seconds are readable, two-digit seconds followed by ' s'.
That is 2 h 27 min
